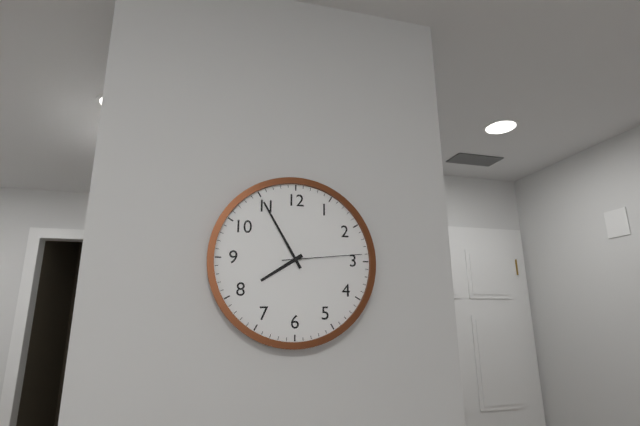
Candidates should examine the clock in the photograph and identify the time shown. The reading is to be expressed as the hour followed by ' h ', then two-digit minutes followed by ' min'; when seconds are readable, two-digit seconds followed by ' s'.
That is 7 h 55 min 14 s
